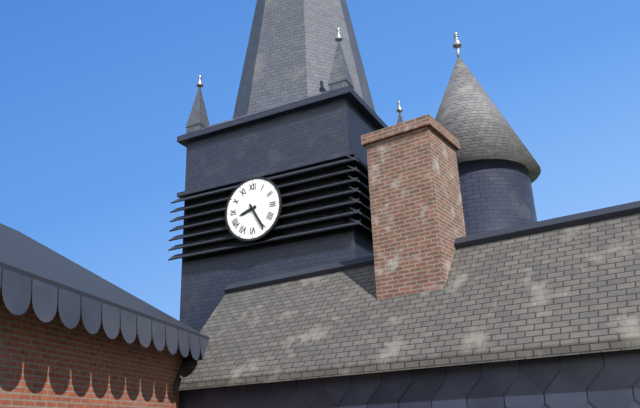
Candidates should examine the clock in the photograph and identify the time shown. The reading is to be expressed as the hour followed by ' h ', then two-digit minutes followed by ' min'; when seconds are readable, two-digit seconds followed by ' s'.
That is 8 h 25 min
